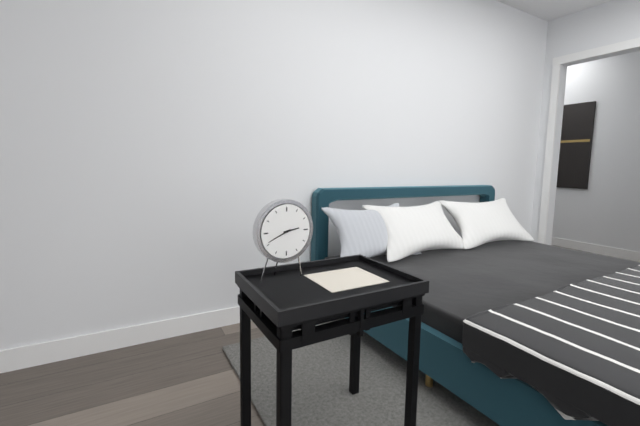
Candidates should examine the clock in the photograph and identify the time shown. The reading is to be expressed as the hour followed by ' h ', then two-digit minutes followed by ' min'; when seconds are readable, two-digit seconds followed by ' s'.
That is 2 h 41 min
